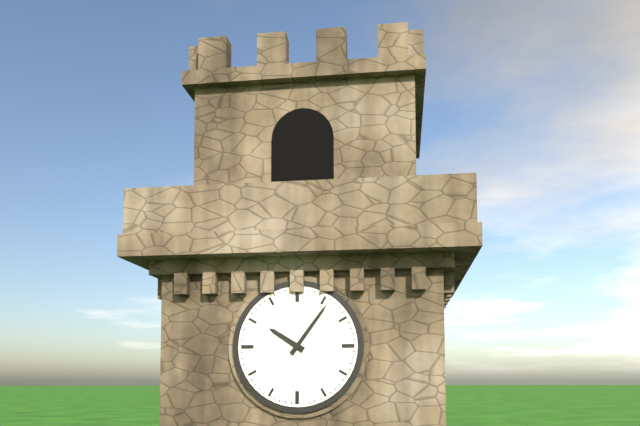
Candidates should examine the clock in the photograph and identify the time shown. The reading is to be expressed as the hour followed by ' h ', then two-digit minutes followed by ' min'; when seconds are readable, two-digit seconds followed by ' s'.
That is 10 h 06 min
